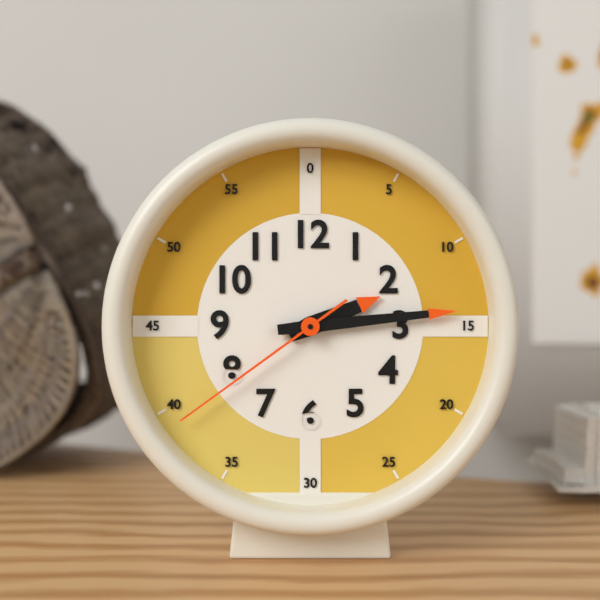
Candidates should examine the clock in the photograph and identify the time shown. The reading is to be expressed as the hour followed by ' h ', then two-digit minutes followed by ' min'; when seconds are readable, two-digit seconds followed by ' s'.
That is 2 h 14 min 39 s
